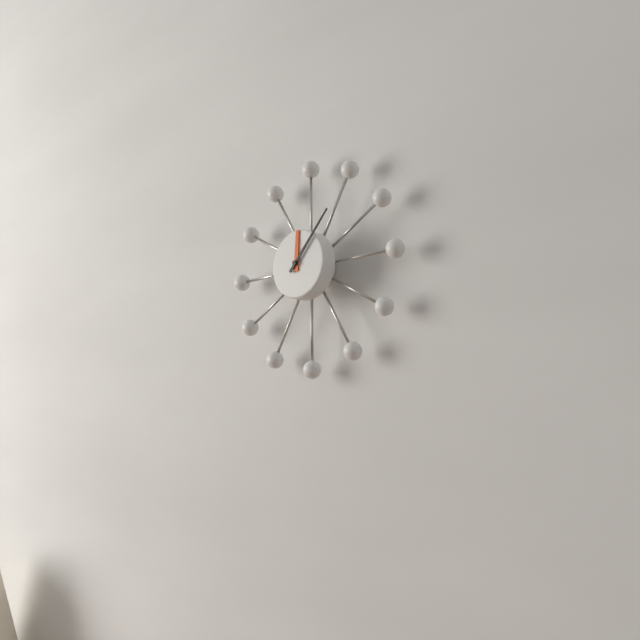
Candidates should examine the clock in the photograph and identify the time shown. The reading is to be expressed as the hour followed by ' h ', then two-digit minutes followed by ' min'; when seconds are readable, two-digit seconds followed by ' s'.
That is 12 h 07 min
